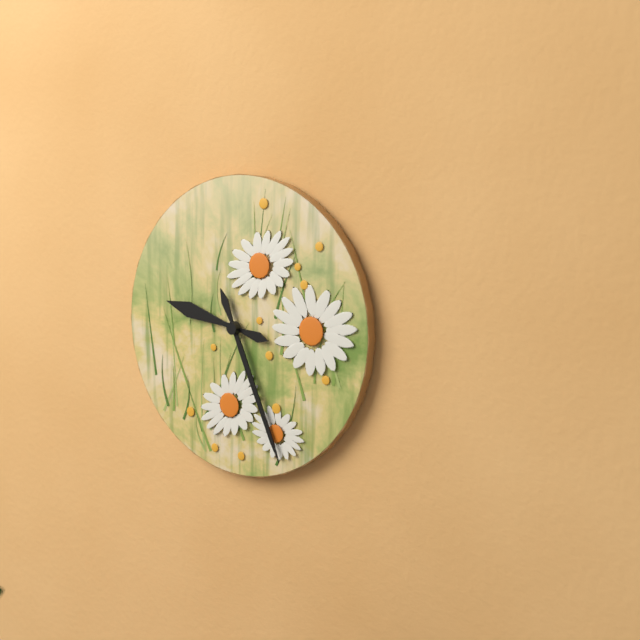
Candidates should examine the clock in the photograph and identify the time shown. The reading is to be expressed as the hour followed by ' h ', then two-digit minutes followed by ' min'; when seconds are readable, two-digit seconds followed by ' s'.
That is 9 h 26 min
